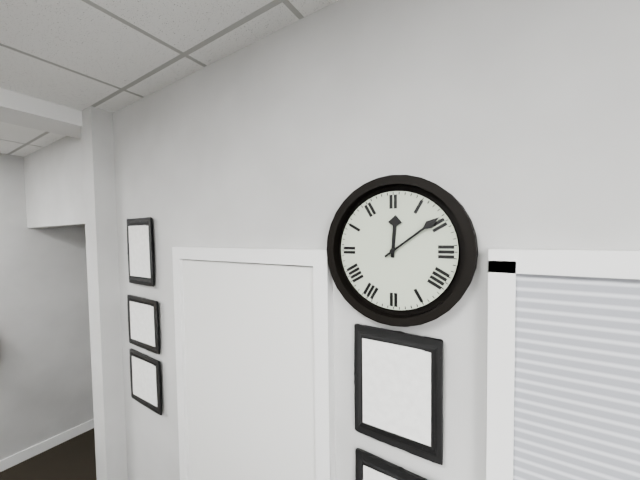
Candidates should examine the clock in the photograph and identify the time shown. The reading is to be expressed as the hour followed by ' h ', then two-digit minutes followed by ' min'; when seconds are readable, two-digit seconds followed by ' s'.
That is 12 h 09 min
